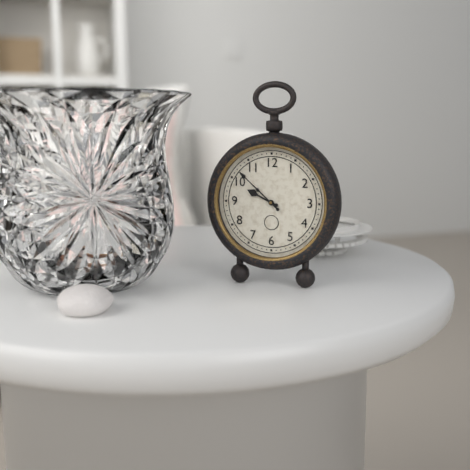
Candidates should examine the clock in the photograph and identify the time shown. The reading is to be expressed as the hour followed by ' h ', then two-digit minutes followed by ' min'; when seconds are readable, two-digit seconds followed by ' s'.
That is 9 h 52 min
